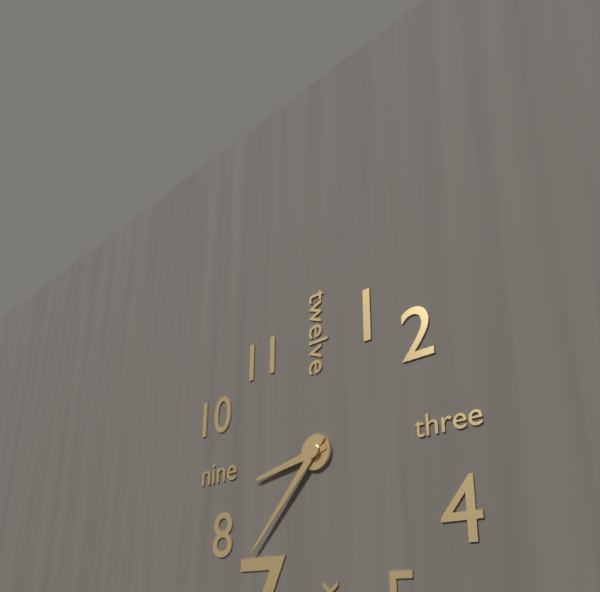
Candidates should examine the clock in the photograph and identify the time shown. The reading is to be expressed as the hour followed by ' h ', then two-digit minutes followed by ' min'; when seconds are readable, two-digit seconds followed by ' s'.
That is 8 h 37 min
